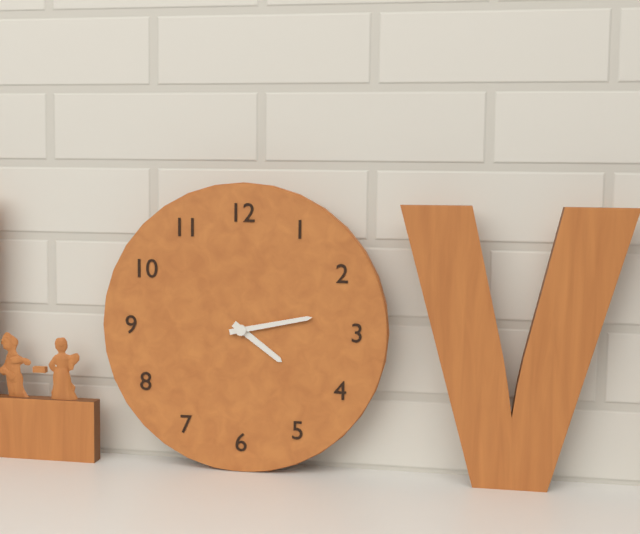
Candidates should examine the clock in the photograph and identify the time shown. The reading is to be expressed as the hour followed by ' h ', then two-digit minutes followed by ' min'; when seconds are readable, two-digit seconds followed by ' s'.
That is 4 h 13 min
